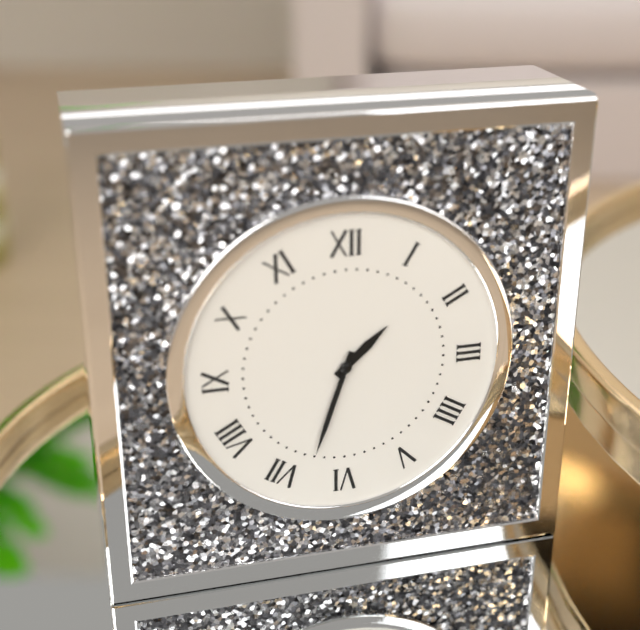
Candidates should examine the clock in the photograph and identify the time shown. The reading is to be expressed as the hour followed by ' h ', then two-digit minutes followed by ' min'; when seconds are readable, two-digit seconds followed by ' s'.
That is 1 h 33 min
